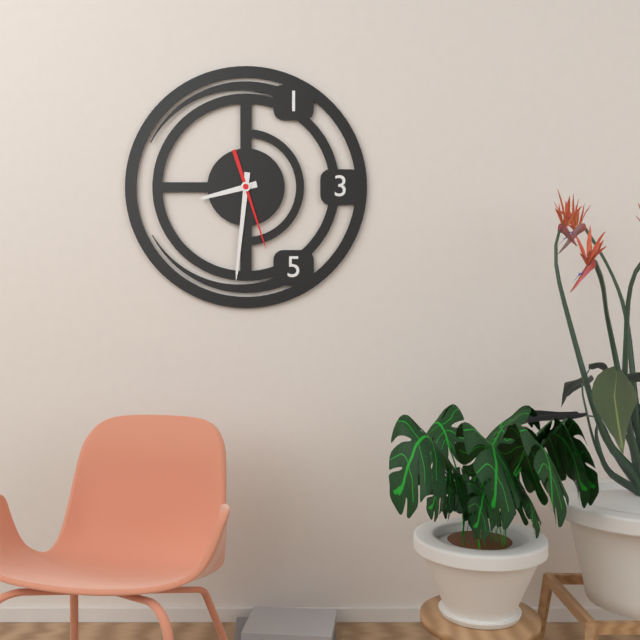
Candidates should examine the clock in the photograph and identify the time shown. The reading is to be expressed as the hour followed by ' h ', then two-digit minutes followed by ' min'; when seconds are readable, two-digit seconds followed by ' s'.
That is 8 h 31 min 27 s
